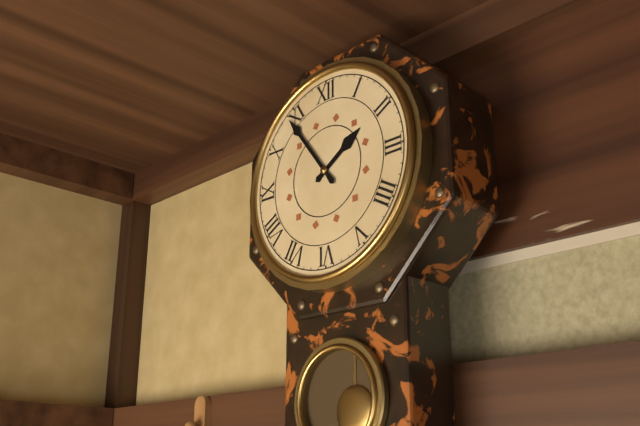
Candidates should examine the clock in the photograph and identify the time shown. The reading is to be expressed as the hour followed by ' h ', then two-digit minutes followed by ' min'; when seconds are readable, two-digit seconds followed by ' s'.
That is 1 h 54 min
